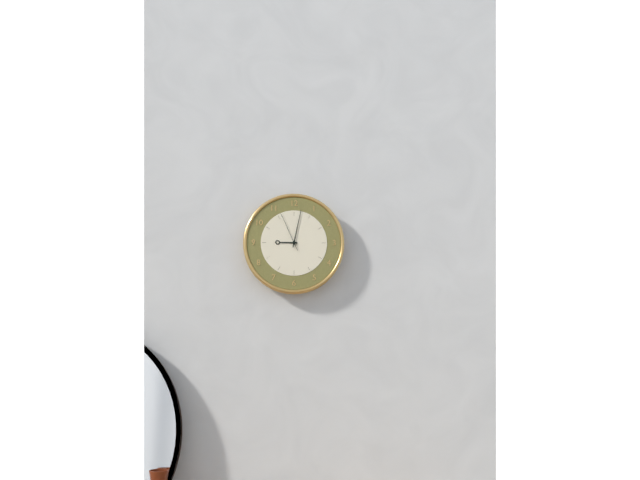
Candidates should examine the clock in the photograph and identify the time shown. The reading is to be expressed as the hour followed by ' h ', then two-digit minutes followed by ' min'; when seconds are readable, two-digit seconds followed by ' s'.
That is 9 h 02 min
